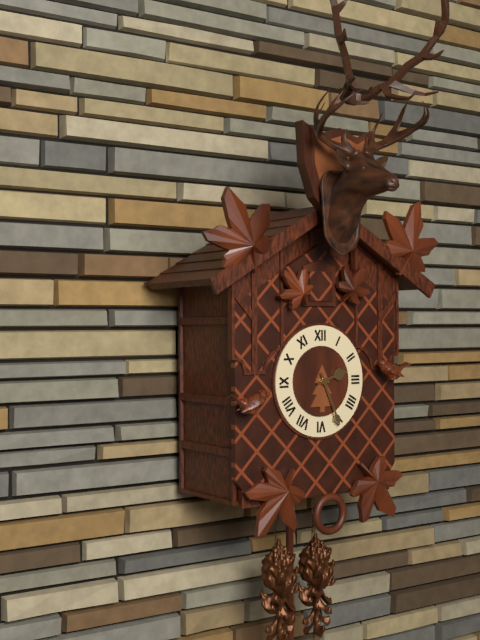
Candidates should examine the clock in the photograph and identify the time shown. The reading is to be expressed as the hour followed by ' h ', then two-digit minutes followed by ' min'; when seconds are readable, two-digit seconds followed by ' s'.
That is 2 h 26 min
